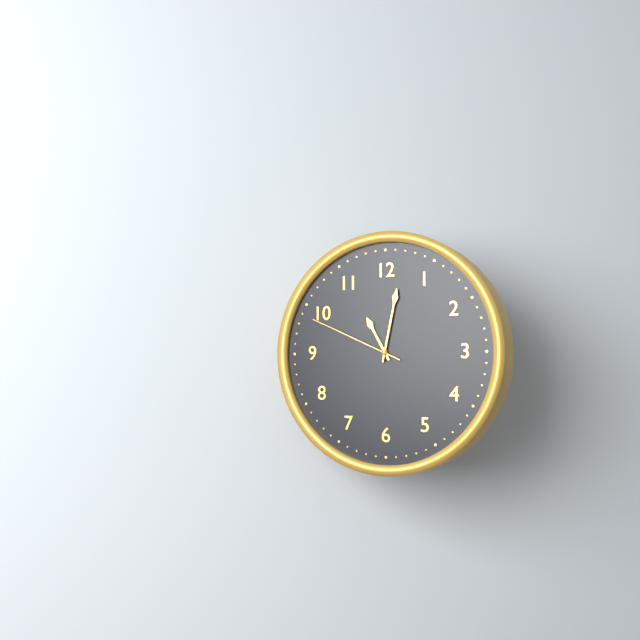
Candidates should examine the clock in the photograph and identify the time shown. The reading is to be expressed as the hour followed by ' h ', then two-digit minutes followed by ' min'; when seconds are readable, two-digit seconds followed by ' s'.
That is 11 h 02 min 49 s
